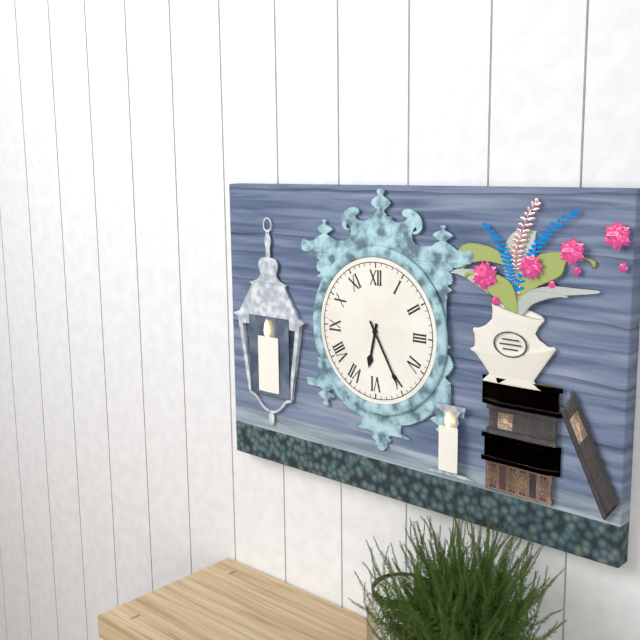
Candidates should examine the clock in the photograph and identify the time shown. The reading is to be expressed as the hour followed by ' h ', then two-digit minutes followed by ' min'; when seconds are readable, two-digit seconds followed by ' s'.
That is 6 h 25 min
